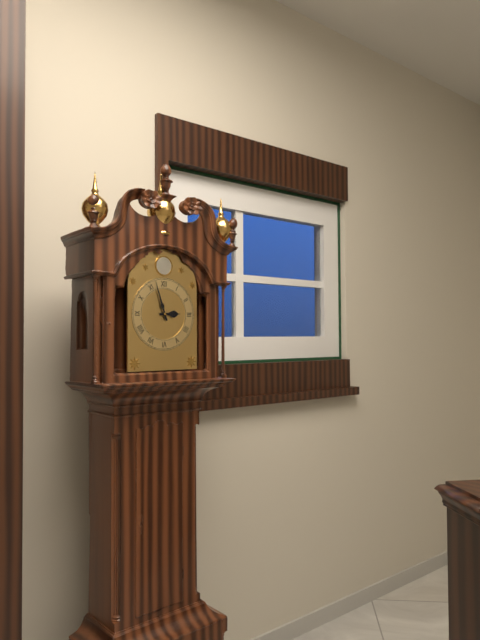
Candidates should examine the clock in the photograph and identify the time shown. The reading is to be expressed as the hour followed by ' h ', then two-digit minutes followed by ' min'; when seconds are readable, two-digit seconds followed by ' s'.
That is 2 h 57 min
